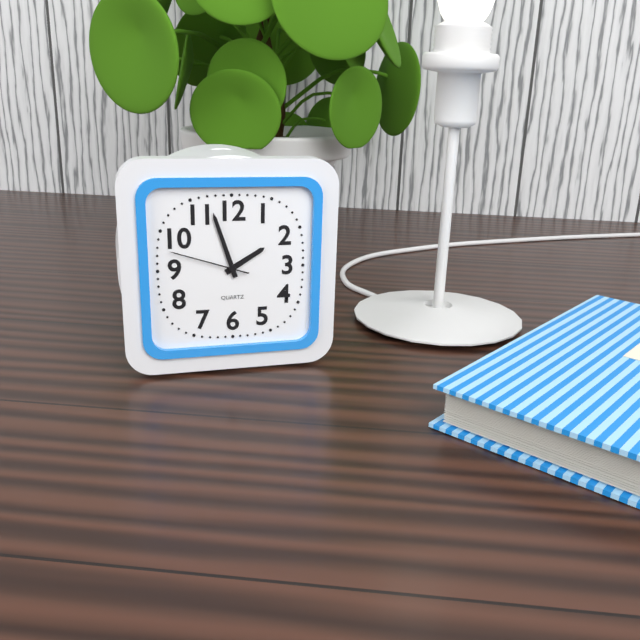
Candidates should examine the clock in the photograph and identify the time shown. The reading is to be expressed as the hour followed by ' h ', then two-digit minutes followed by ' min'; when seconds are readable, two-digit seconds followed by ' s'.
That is 1 h 57 min 48 s
